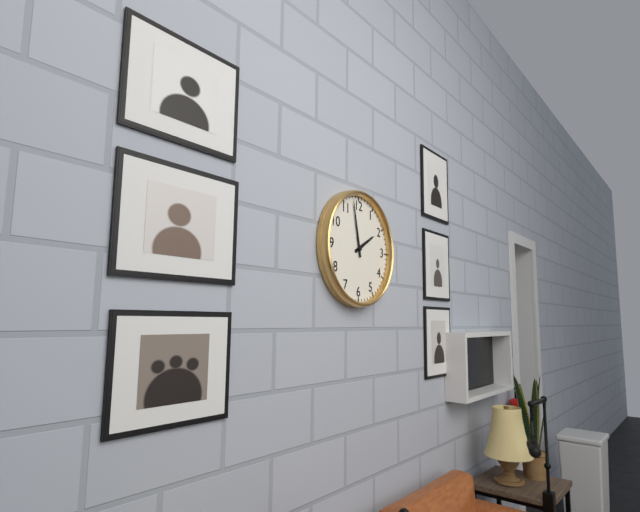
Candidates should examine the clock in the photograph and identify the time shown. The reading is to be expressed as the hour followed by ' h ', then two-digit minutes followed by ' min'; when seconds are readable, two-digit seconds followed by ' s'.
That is 1 h 58 min
